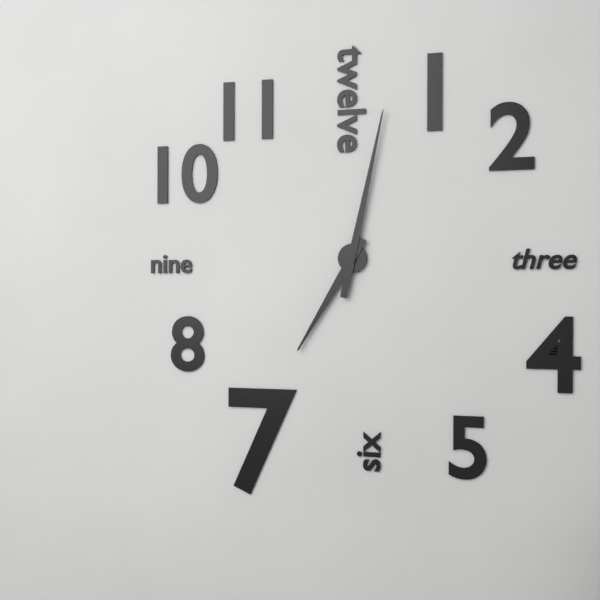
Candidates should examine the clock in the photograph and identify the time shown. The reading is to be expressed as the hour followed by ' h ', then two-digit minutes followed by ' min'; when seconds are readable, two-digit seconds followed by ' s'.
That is 7 h 02 min
